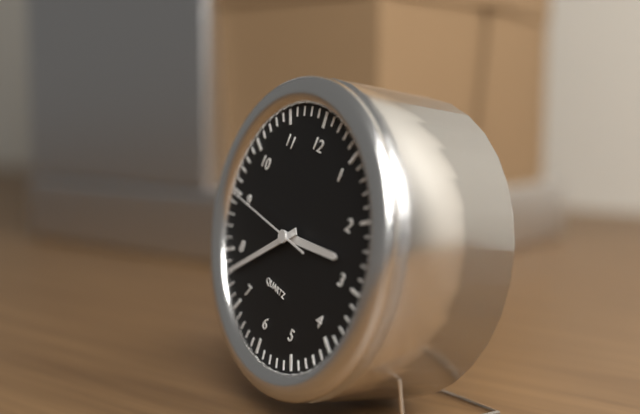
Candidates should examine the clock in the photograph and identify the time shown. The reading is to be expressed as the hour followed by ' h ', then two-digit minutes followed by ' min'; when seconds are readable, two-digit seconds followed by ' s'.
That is 2 h 38 min 45 s
